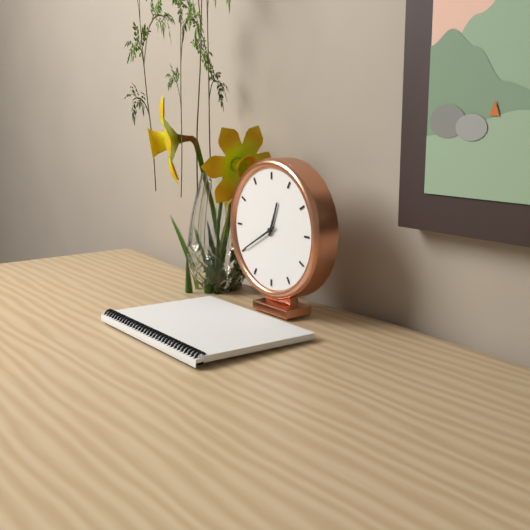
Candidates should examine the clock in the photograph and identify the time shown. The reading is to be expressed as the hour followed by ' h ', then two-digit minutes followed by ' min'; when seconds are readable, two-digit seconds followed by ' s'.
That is 12 h 40 min
